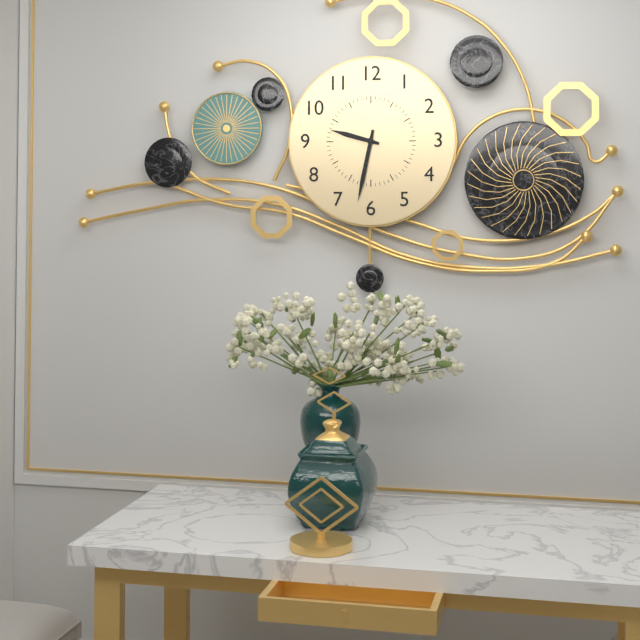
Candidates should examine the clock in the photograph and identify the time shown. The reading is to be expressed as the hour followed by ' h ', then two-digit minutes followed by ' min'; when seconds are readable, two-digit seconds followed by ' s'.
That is 9 h 32 min
